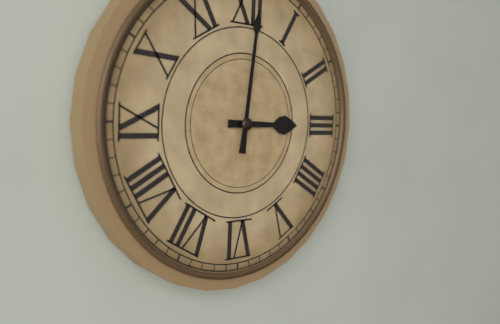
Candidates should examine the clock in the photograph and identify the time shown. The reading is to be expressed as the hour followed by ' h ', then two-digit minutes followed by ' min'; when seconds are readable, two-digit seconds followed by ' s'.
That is 3 h 01 min
